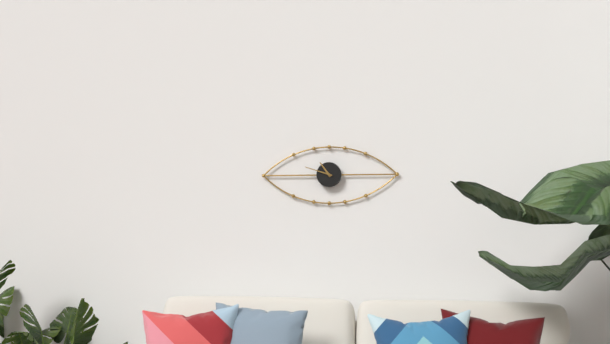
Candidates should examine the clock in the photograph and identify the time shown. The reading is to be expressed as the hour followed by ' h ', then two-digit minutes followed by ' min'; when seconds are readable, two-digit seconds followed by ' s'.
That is 10 h 48 min
